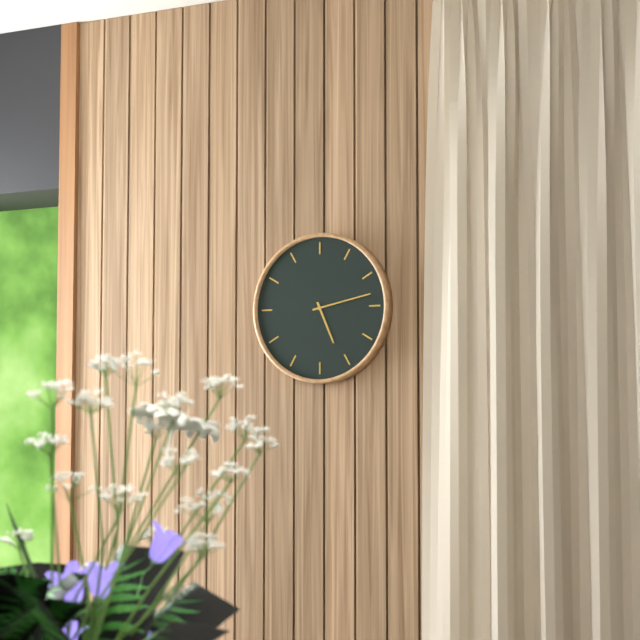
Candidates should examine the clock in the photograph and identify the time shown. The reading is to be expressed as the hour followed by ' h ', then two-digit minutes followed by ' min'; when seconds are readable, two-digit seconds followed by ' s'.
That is 5 h 13 min
